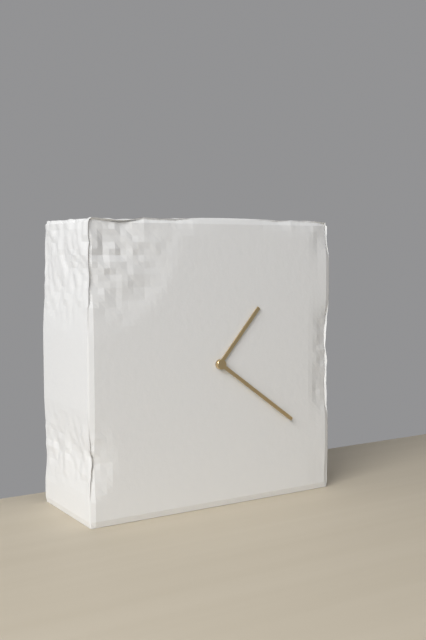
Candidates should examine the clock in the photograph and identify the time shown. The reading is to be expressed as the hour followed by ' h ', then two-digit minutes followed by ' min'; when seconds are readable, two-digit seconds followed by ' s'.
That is 1 h 21 min
